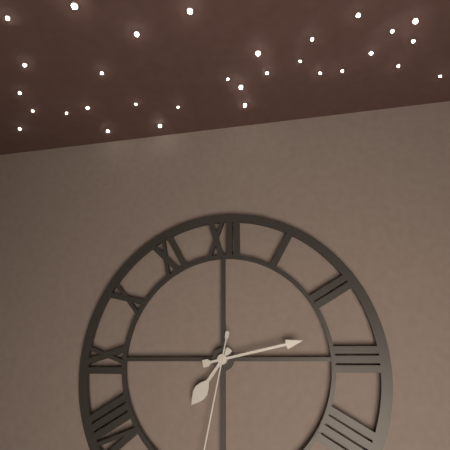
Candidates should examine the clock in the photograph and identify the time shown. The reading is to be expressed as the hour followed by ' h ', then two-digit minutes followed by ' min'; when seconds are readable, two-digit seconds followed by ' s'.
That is 7 h 13 min
